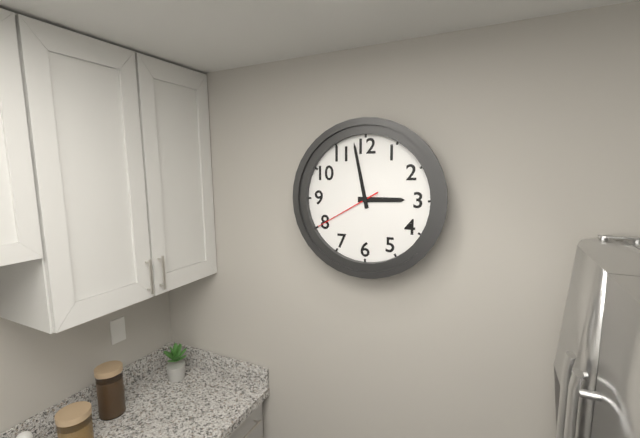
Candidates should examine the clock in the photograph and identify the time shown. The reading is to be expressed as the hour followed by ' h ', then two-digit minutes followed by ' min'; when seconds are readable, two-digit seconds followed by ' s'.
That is 2 h 58 min 40 s
